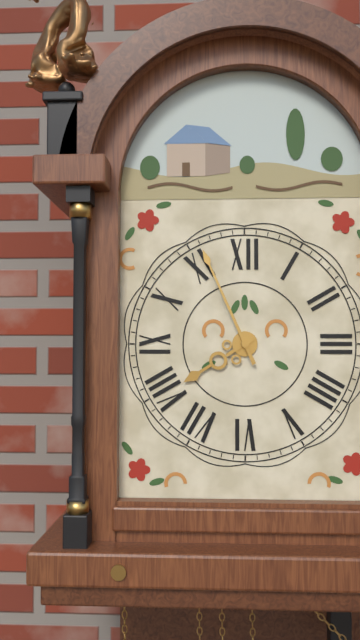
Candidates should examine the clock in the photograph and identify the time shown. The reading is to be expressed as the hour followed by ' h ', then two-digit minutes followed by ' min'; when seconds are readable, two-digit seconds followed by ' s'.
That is 7 h 56 min
